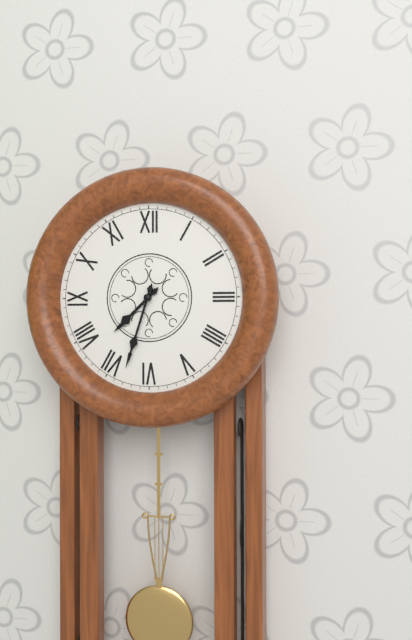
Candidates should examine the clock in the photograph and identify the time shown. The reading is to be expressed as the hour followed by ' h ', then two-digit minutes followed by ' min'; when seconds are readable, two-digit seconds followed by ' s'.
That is 7 h 33 min
